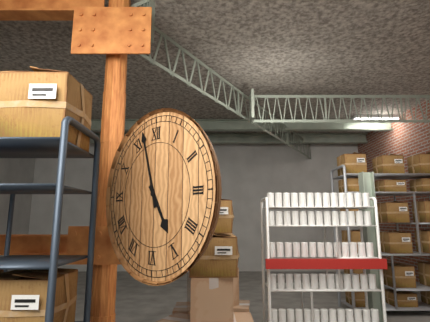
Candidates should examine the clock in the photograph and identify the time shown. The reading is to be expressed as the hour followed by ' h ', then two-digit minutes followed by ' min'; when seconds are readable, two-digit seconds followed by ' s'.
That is 4 h 57 min
